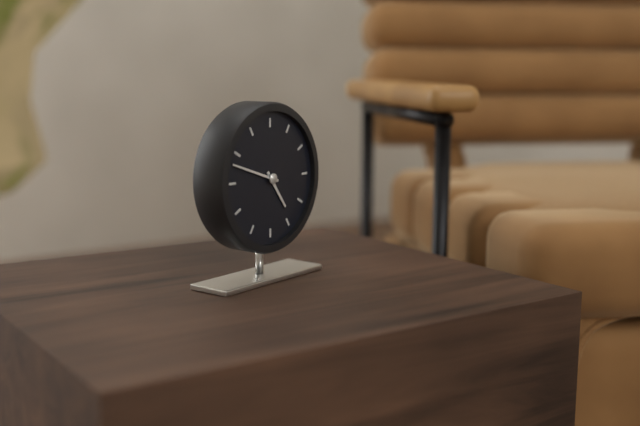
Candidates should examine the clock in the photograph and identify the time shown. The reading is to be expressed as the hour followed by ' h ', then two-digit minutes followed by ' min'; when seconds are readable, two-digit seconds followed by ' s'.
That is 4 h 48 min
